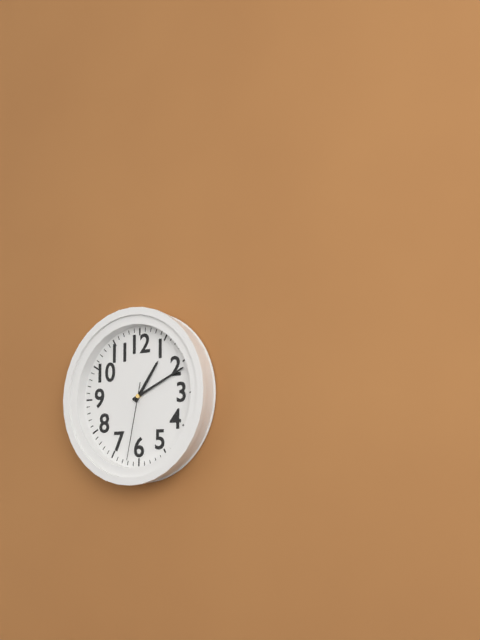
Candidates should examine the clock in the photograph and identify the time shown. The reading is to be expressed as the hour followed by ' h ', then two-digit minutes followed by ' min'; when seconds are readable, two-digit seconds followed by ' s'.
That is 1 h 11 min 32 s
